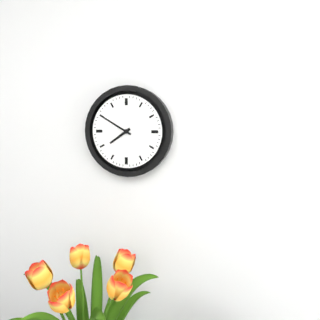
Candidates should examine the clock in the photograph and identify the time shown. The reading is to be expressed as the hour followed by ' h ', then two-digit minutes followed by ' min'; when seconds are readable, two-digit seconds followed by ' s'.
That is 7 h 50 min
